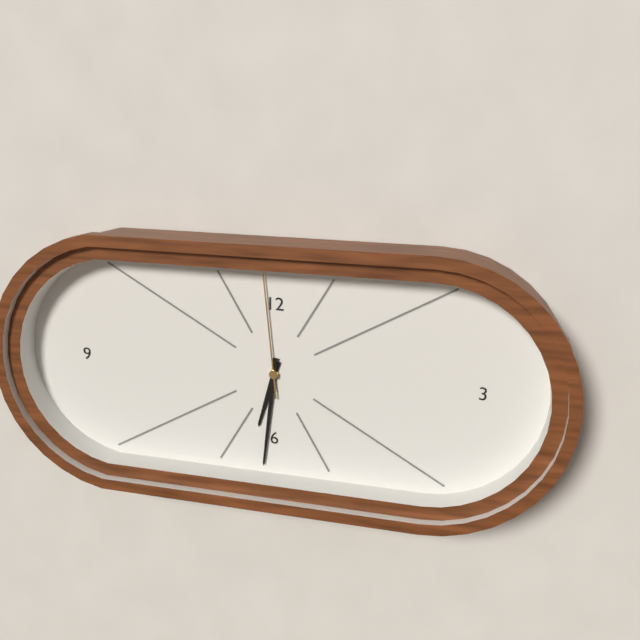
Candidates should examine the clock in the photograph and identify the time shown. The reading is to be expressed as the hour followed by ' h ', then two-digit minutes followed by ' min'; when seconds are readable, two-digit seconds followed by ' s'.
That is 6 h 31 min 59 s
